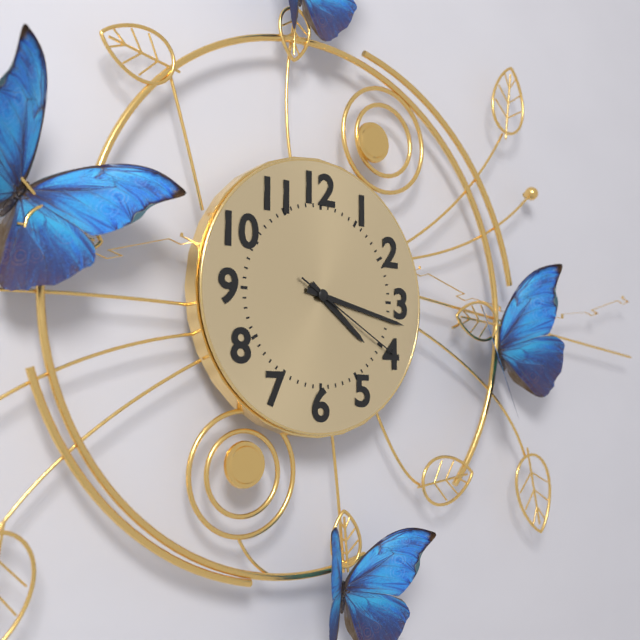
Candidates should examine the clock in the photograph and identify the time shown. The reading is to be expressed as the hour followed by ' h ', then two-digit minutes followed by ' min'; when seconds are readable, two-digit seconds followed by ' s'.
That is 4 h 17 min 20 s
